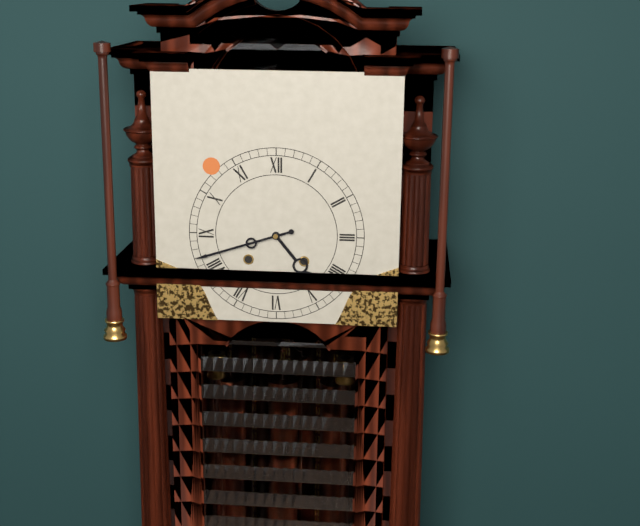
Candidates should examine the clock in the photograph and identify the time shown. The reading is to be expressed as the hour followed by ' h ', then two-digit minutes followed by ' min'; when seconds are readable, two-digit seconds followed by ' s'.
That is 4 h 42 min
